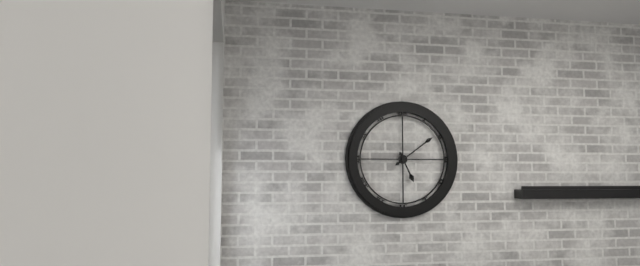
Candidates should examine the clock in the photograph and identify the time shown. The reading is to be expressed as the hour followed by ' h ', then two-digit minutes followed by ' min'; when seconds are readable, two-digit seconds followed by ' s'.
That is 5 h 09 min
